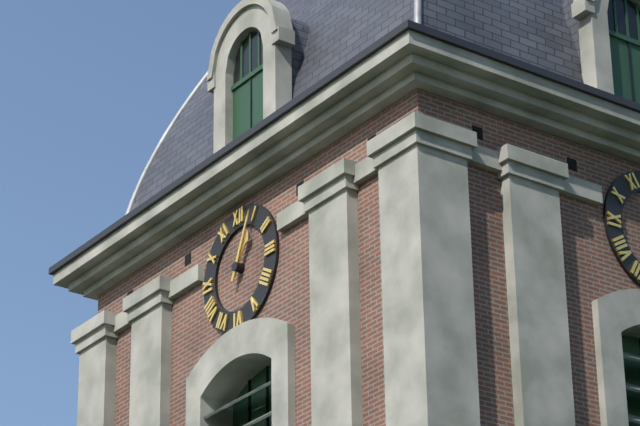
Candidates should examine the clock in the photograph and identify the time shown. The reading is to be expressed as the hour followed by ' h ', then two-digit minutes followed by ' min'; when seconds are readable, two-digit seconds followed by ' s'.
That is 1 h 04 min
